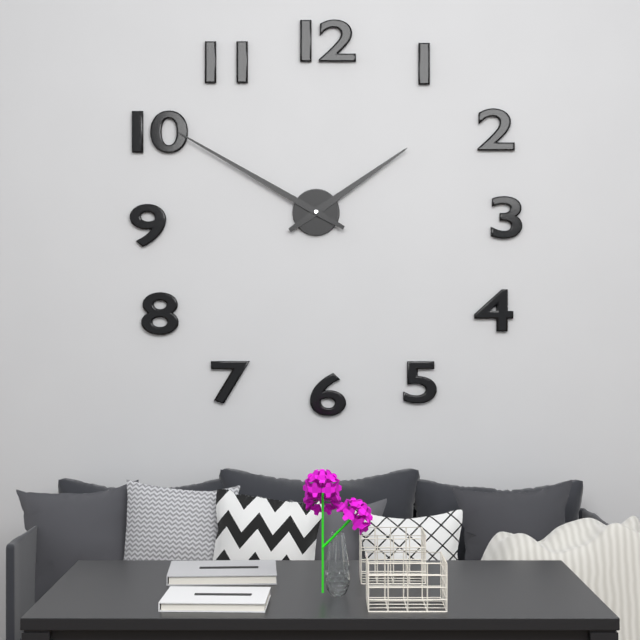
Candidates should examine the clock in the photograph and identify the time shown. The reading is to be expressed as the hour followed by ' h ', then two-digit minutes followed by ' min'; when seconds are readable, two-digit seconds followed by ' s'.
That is 1 h 50 min
